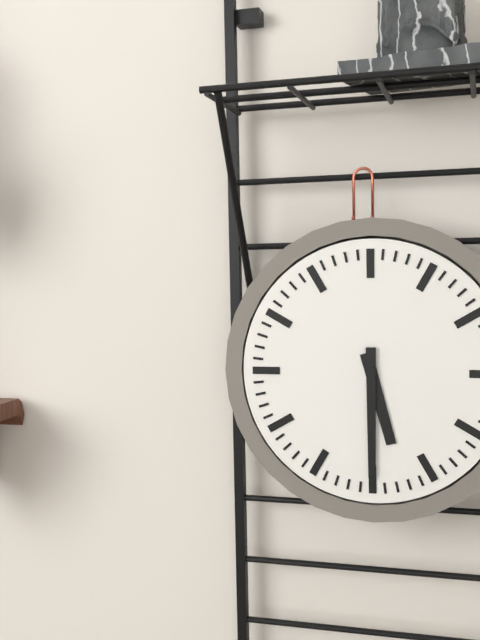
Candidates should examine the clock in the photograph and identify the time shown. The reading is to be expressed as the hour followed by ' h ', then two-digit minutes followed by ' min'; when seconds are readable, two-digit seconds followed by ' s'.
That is 5 h 30 min
